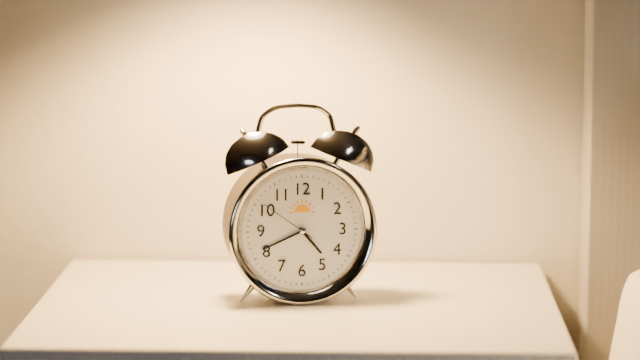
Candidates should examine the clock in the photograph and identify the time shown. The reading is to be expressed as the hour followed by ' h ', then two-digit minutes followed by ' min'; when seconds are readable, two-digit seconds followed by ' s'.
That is 4 h 41 min 51 s
